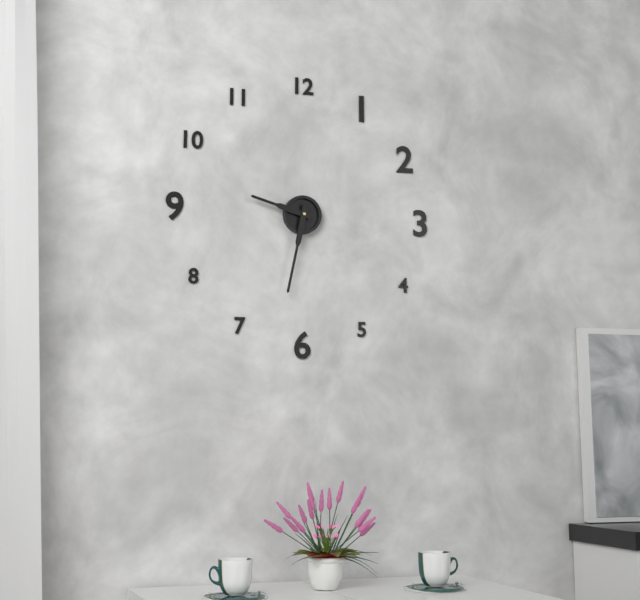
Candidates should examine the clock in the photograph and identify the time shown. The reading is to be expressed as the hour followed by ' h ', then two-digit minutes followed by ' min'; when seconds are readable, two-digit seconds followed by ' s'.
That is 9 h 32 min
